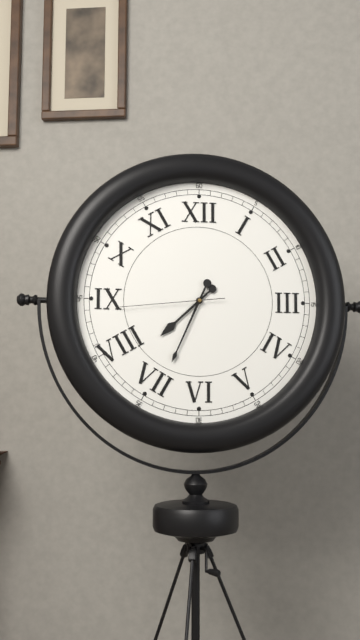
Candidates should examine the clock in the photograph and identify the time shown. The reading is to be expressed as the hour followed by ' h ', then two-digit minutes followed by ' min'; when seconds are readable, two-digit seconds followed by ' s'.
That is 7 h 34 min 44 s
